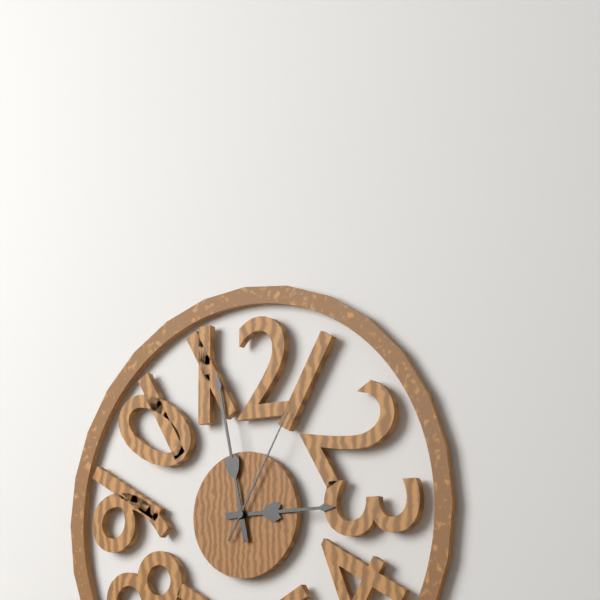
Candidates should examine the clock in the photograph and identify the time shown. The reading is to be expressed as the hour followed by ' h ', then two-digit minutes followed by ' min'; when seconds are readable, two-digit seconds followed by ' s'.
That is 2 h 58 min 05 s
